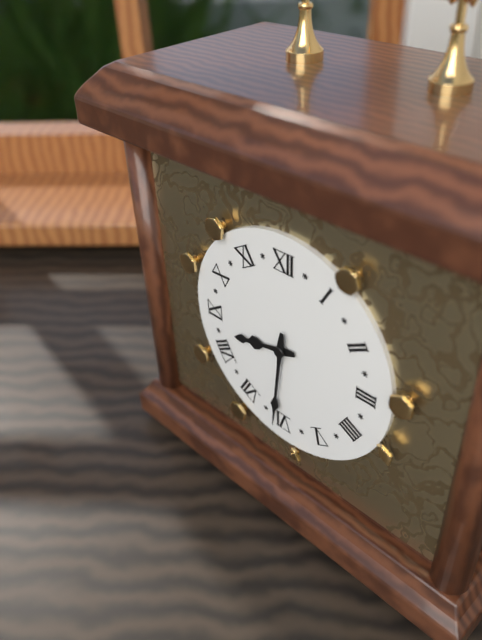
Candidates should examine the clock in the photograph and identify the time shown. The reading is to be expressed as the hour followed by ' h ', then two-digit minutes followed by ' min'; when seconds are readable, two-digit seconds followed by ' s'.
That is 8 h 31 min
